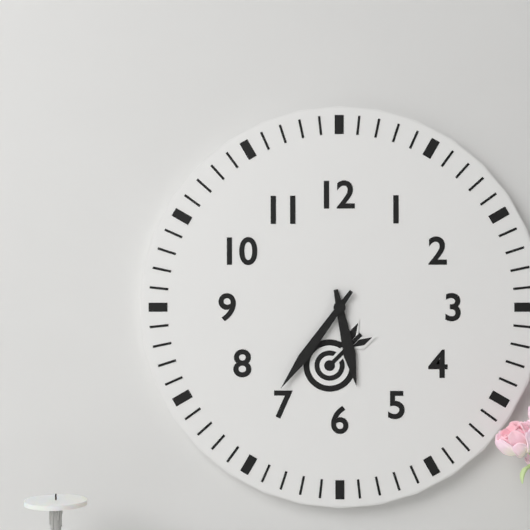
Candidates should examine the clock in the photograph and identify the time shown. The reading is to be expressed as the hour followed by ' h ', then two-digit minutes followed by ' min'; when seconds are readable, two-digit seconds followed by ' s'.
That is 5 h 36 min
